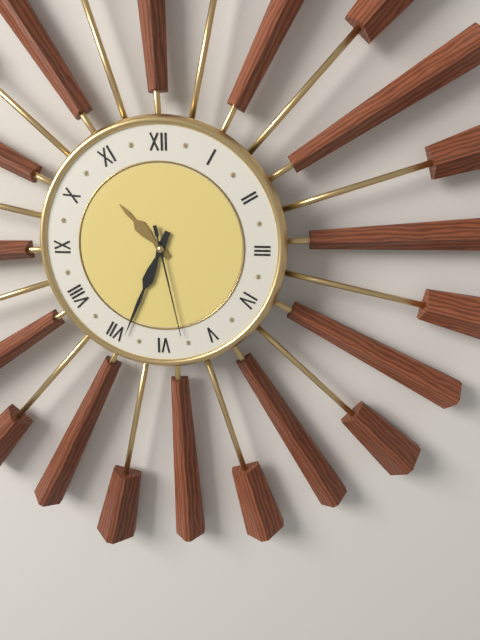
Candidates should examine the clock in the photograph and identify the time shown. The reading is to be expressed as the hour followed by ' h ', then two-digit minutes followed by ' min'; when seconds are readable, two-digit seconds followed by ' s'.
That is 10 h 34 min 28 s
